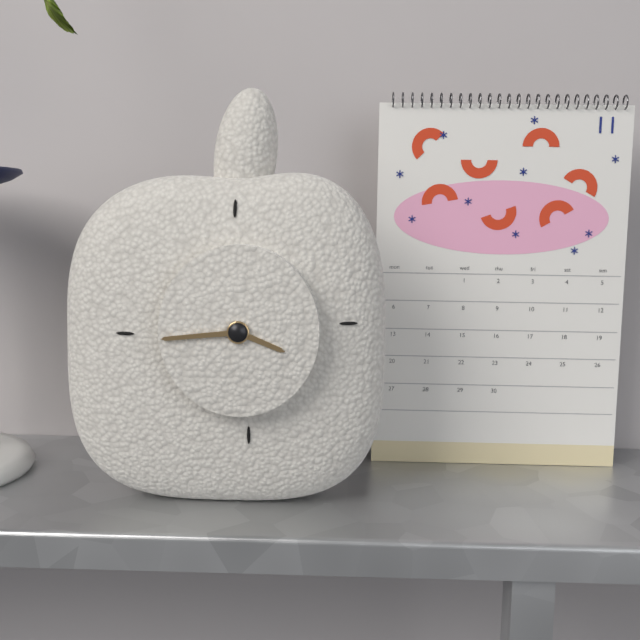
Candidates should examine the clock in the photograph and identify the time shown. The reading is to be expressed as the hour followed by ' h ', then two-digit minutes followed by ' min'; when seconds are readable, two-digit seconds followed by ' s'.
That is 3 h 44 min
